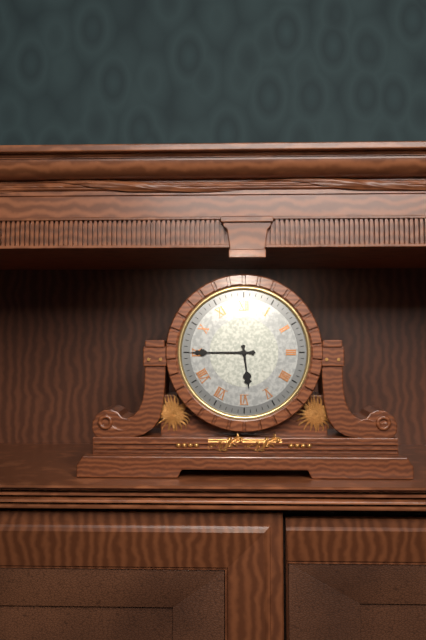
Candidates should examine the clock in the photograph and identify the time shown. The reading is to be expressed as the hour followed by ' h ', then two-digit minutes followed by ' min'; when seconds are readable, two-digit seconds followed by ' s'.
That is 5 h 45 min
